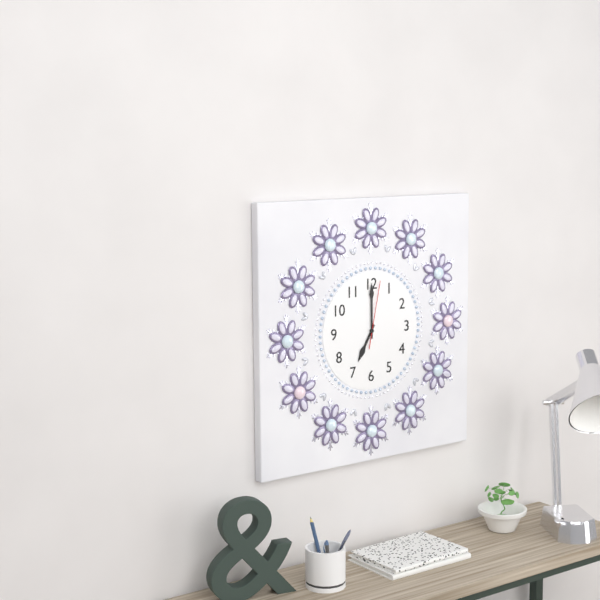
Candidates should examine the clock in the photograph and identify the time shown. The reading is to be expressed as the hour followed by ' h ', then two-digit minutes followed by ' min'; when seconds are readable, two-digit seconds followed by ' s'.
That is 7 h 00 min 02 s
